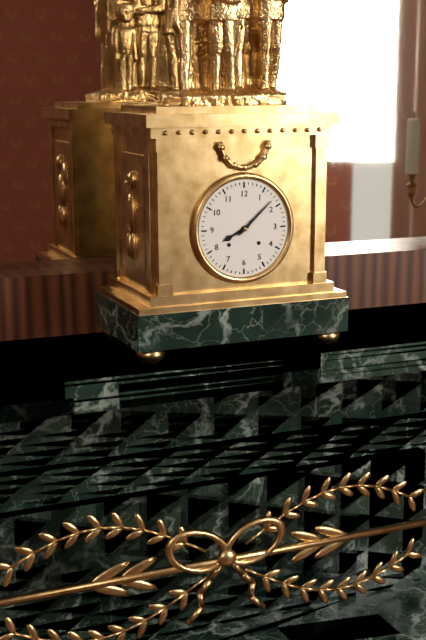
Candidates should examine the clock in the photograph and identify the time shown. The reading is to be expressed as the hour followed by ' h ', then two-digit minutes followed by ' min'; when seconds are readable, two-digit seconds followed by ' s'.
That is 8 h 08 min
